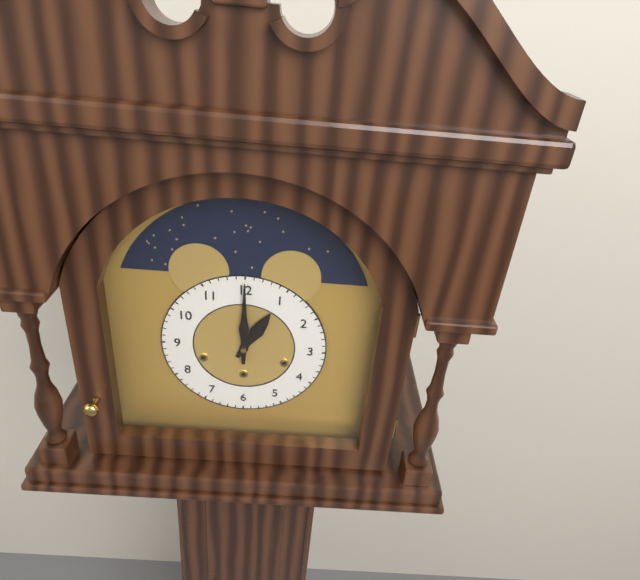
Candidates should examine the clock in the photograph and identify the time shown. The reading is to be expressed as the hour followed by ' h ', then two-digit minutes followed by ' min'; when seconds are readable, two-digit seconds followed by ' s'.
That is 1 h 00 min
